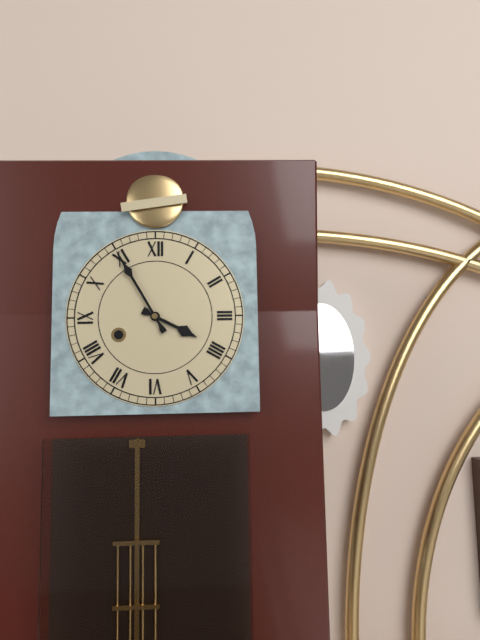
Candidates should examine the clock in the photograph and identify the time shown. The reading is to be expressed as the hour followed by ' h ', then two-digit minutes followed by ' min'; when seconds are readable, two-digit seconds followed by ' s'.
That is 3 h 55 min
